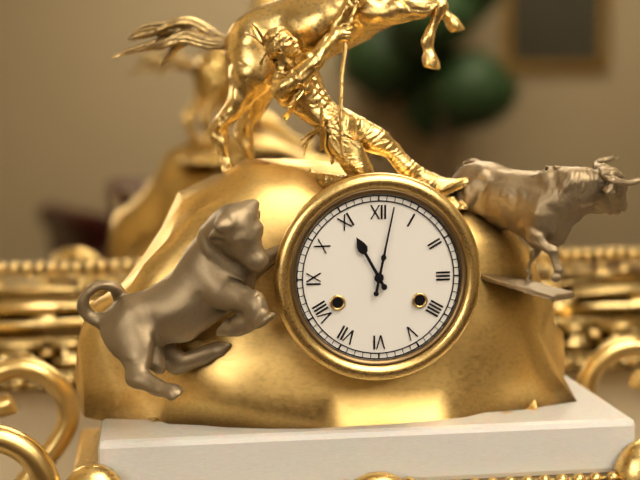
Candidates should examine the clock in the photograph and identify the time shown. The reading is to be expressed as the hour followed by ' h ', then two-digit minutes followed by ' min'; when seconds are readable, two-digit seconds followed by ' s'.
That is 11 h 02 min
